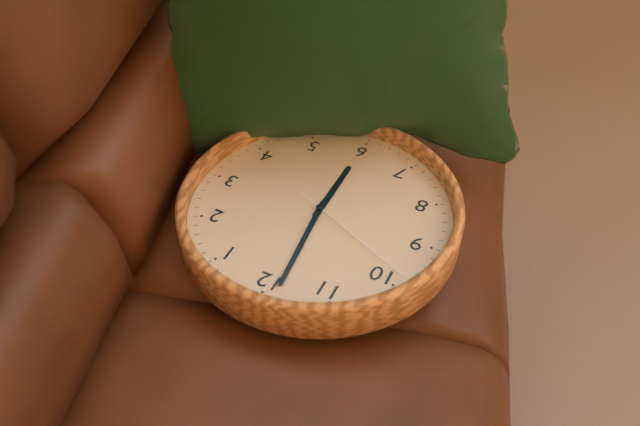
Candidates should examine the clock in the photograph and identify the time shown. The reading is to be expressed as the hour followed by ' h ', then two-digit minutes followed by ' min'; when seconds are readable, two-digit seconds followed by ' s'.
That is 5 h 59 min 49 s
